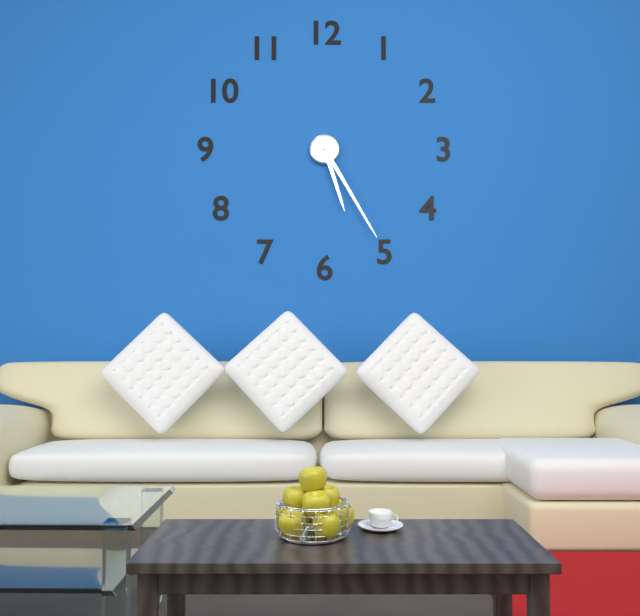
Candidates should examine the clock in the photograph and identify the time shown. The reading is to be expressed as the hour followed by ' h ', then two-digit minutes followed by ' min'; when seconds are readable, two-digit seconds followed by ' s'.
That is 5 h 25 min
